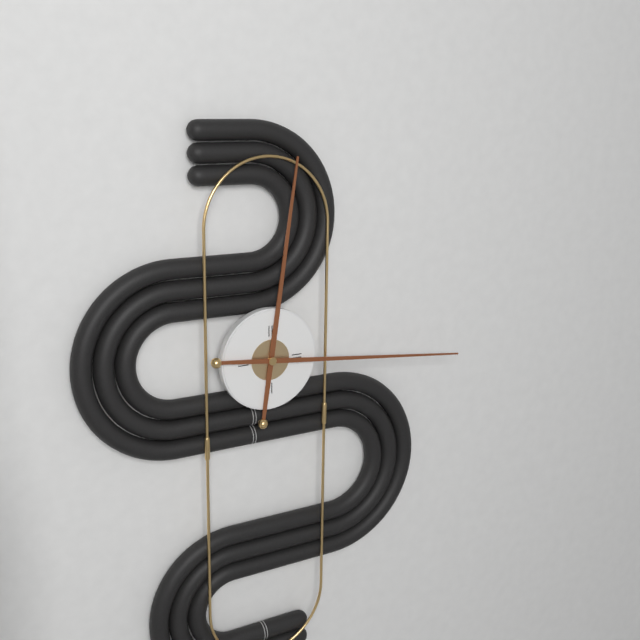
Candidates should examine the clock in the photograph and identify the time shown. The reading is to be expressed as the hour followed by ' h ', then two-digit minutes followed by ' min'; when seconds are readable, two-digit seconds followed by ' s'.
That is 12 h 16 min
